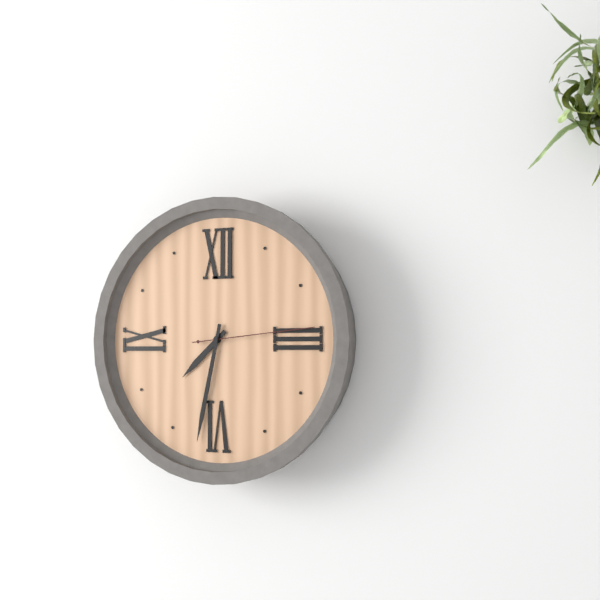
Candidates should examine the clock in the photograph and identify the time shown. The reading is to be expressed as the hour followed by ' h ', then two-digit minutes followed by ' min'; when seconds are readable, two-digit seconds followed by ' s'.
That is 7 h 32 min 14 s
